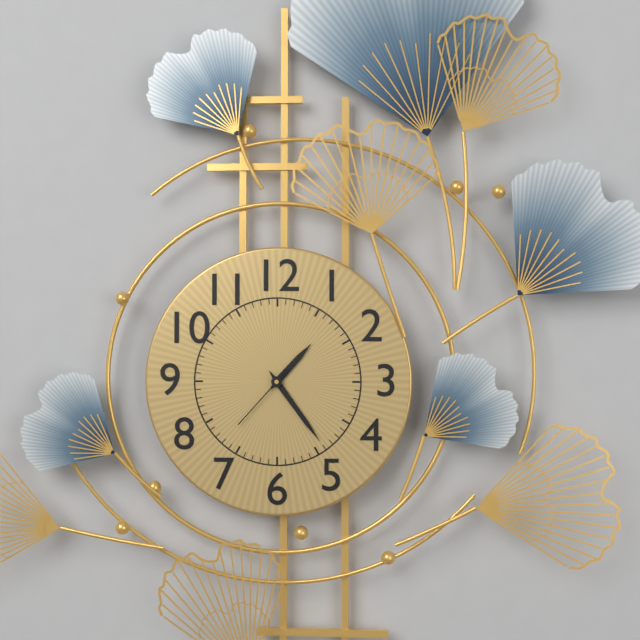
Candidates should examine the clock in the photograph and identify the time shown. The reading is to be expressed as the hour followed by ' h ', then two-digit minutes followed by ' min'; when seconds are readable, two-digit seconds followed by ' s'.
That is 1 h 24 min 37 s
